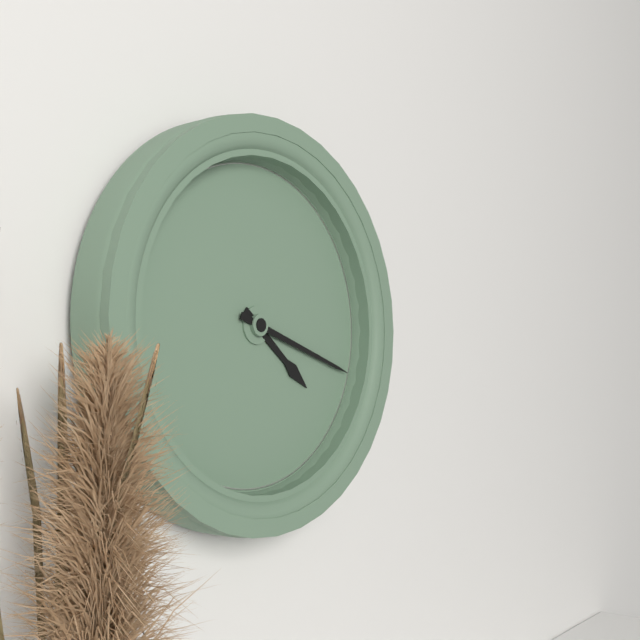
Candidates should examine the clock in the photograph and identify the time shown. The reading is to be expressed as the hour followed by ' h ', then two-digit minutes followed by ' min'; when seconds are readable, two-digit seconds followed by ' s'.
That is 4 h 18 min
